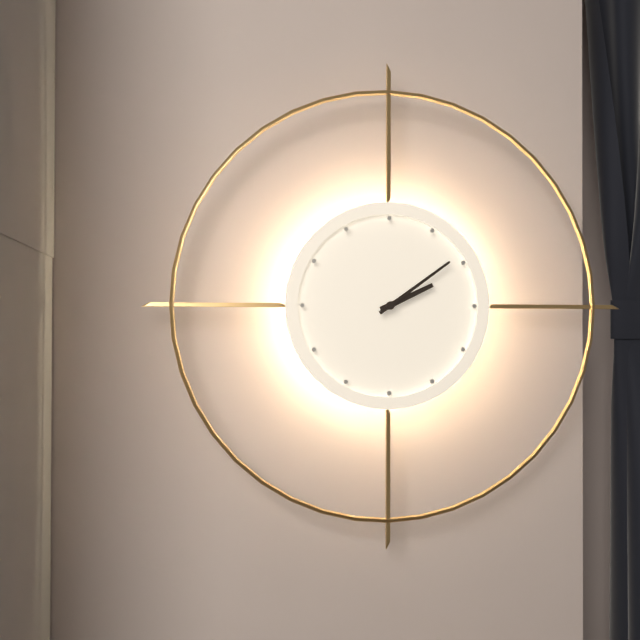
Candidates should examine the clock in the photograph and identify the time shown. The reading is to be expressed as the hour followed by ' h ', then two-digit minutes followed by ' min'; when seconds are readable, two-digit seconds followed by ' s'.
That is 2 h 09 min
